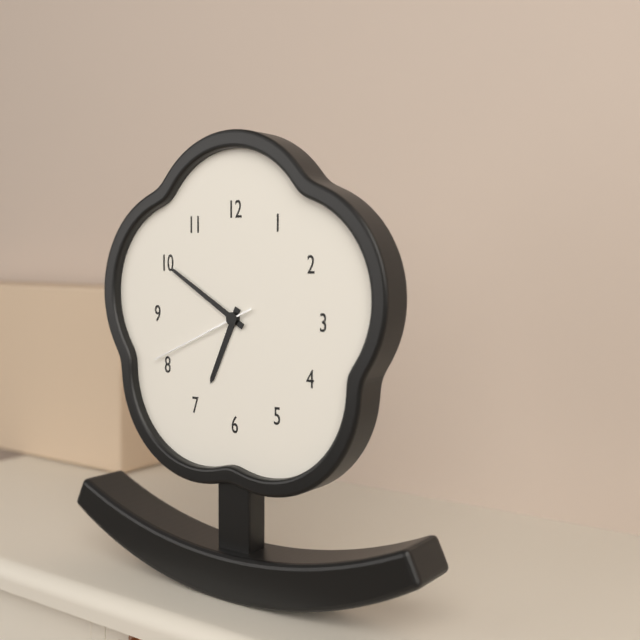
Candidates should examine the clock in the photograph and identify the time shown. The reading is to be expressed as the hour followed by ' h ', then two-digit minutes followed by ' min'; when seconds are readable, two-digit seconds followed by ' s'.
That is 6 h 50 min 41 s
